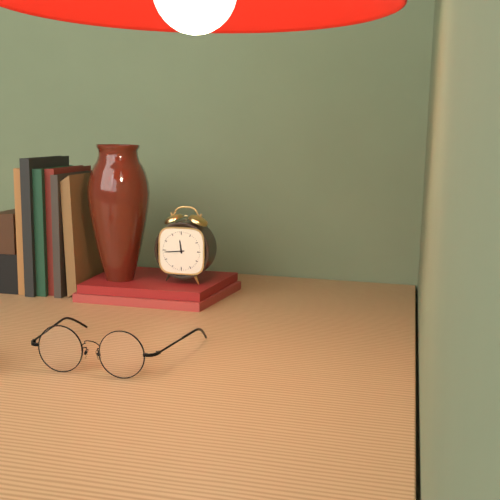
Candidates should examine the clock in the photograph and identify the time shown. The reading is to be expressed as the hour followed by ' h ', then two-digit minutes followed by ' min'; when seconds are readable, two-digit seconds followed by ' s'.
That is 11 h 44 min
